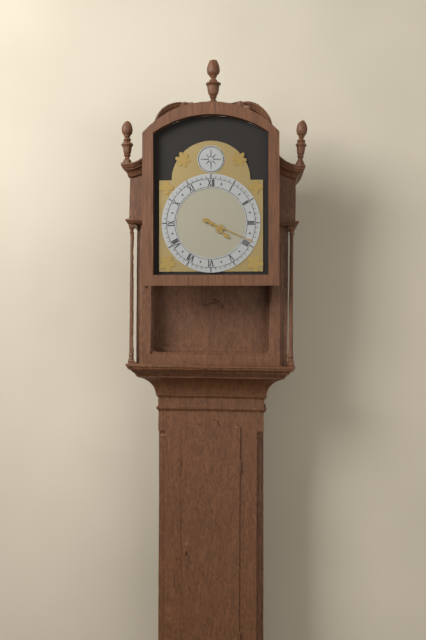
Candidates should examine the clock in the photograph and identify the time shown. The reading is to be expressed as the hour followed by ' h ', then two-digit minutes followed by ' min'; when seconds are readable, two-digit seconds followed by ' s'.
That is 4 h 19 min
